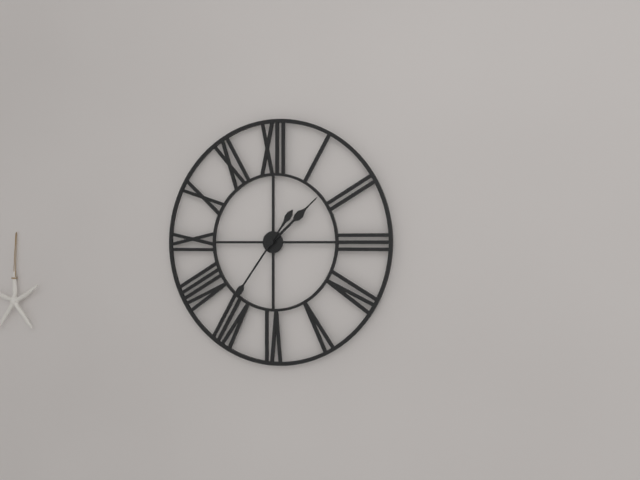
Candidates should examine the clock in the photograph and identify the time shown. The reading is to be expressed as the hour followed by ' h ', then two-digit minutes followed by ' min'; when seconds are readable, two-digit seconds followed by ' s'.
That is 1 h 36 min
